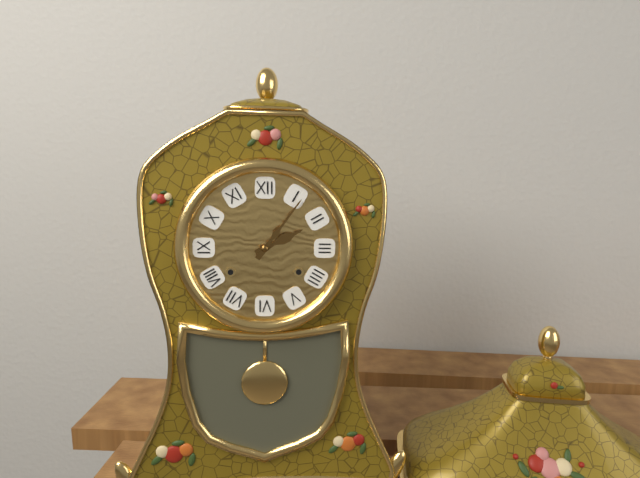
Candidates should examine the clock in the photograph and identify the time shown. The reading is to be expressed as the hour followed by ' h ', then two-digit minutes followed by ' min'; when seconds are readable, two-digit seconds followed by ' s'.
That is 2 h 06 min
